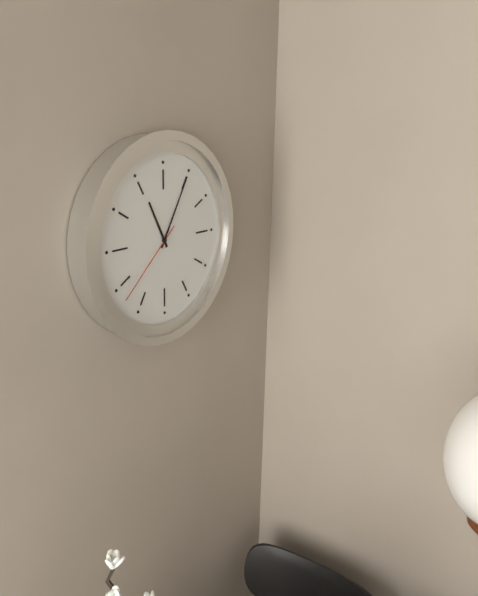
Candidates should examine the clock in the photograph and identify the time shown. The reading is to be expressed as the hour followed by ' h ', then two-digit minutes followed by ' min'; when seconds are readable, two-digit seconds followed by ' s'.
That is 11 h 05 min 38 s
